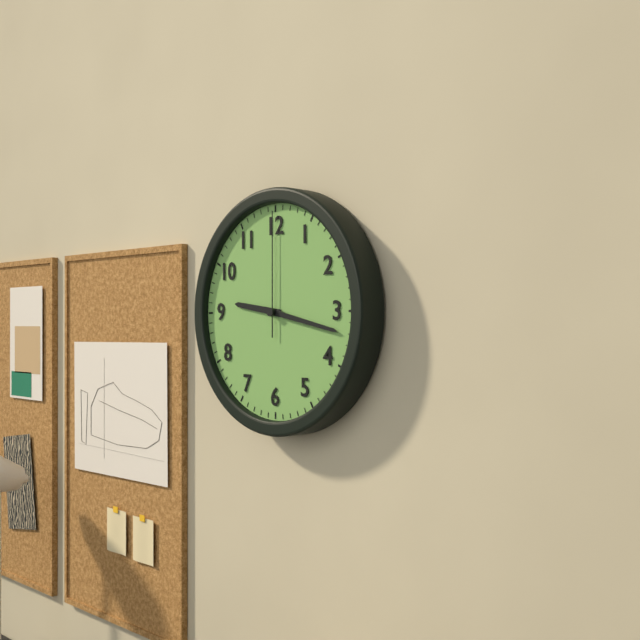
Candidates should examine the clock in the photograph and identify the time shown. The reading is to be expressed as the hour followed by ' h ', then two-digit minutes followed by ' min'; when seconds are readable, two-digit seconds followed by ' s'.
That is 9 h 17 min 00 s
